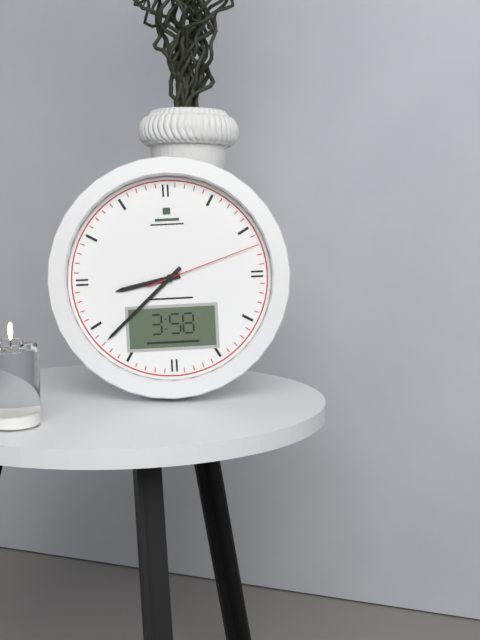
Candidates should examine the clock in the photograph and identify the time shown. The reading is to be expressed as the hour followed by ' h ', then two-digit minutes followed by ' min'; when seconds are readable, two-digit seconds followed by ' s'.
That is 8 h 38 min 12 s
